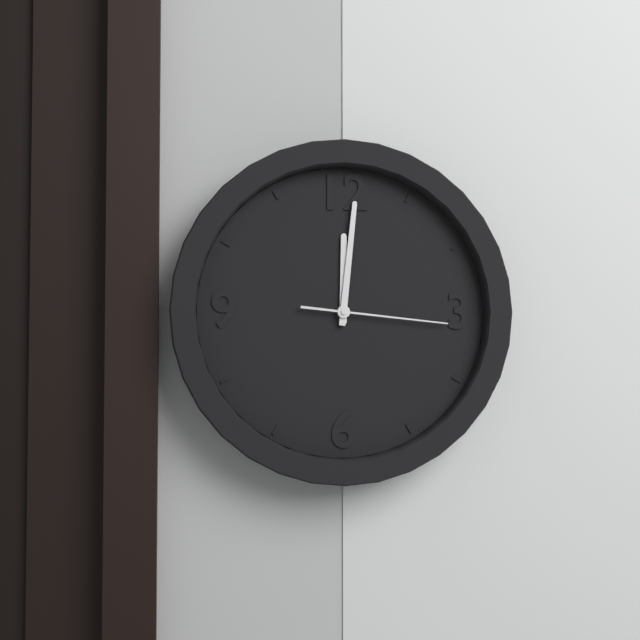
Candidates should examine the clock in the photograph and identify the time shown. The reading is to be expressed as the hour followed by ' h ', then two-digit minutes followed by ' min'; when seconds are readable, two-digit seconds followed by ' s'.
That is 12 h 01 min 16 s
